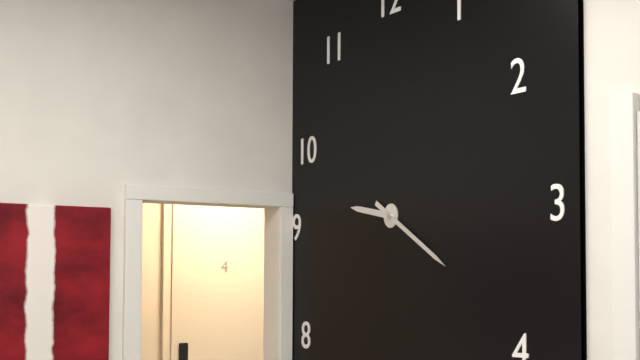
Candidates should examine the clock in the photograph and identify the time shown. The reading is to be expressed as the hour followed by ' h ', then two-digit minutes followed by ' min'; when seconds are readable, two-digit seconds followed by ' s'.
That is 9 h 20 min
